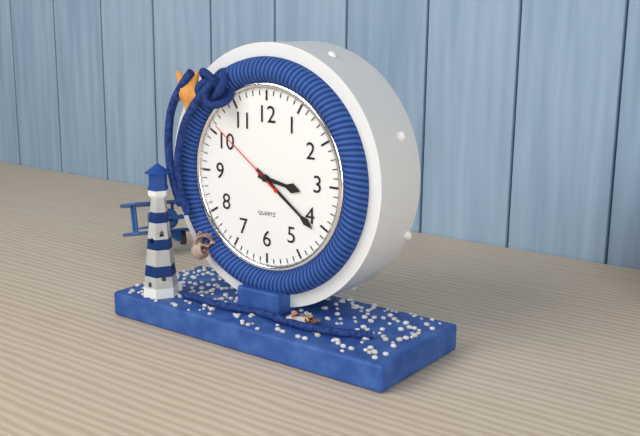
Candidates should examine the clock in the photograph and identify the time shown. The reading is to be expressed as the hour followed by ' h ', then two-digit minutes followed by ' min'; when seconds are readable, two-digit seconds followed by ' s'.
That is 3 h 21 min 51 s
